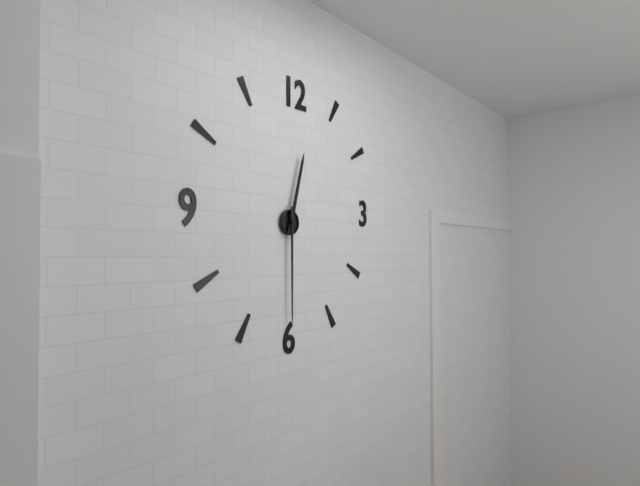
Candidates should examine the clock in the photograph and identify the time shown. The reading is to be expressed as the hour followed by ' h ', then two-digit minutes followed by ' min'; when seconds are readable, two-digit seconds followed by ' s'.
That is 12 h 30 min
